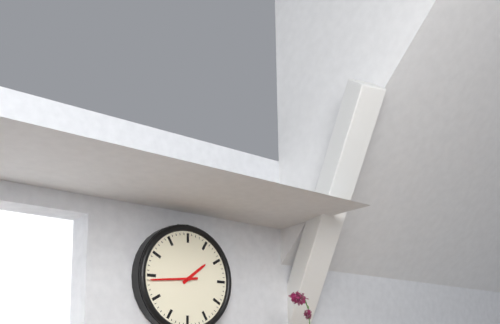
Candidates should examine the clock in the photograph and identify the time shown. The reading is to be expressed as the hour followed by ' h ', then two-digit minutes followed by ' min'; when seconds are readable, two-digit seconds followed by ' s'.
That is 1 h 44 min
